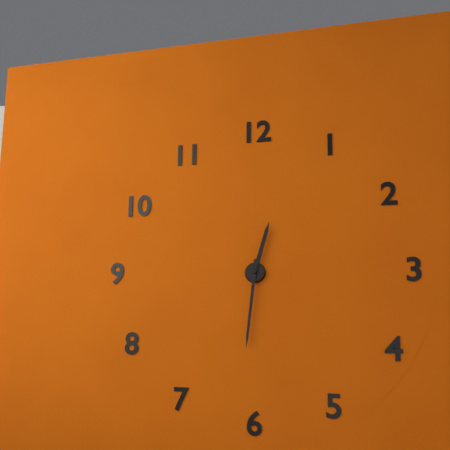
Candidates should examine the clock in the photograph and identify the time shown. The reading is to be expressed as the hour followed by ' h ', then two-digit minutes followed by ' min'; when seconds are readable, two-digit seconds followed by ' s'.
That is 12 h 31 min
